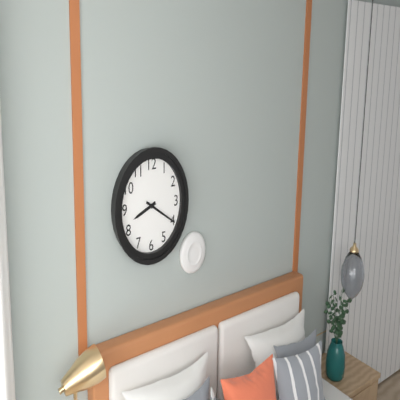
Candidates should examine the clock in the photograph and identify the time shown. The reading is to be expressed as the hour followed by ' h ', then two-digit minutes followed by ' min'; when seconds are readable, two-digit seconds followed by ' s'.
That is 8 h 20 min
